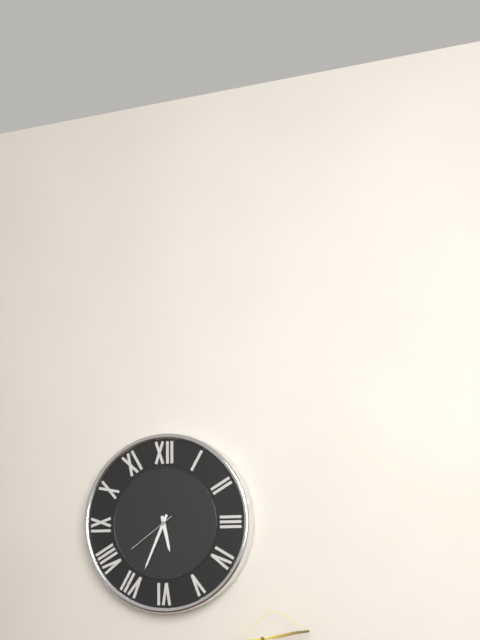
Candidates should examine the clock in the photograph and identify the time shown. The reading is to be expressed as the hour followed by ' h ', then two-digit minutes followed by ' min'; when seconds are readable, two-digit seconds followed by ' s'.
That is 5 h 34 min 39 s
